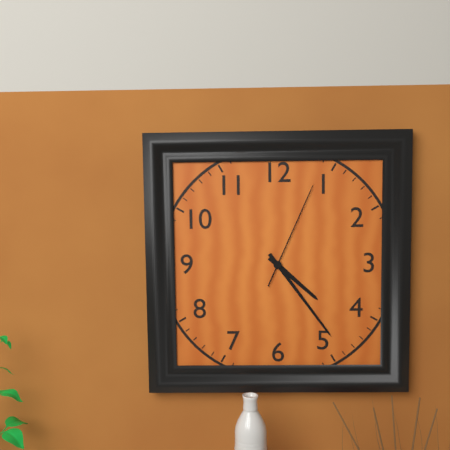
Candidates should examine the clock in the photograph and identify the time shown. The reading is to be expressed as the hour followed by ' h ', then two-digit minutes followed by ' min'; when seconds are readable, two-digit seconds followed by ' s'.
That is 4 h 24 min 04 s
